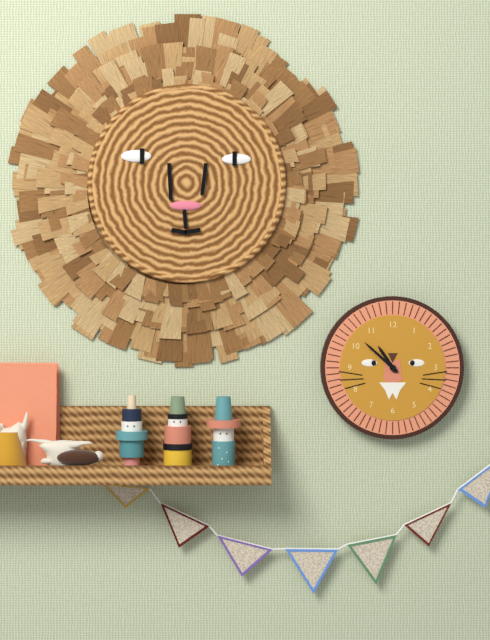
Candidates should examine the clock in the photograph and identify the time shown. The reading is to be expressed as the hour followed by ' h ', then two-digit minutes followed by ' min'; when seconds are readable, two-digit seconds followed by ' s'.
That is 10 h 52 min
